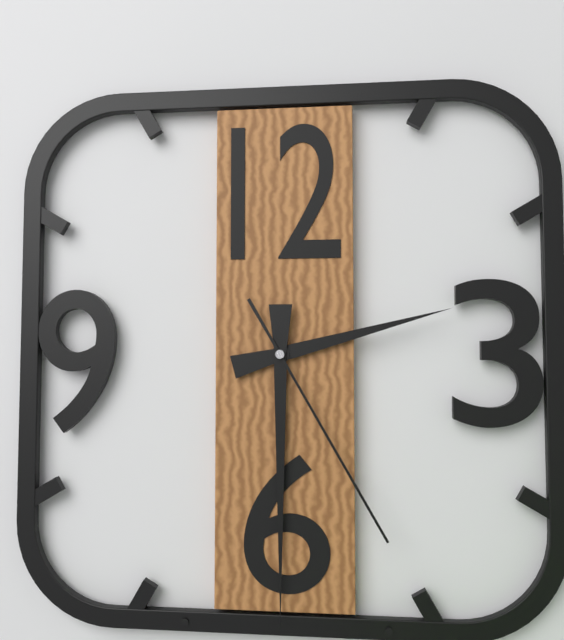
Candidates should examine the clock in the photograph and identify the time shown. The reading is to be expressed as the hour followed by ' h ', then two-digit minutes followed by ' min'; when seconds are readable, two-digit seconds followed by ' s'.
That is 2 h 30 min 25 s
